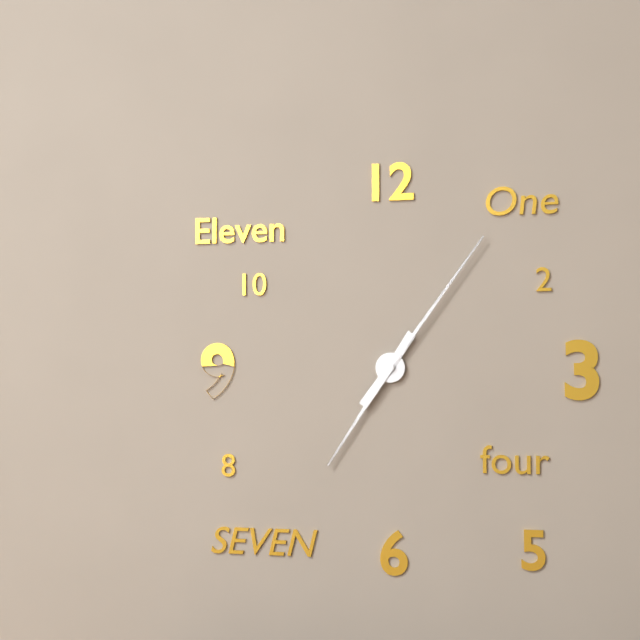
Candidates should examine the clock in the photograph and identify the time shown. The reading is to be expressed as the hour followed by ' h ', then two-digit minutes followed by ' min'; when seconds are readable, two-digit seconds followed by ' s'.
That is 7 h 06 min
